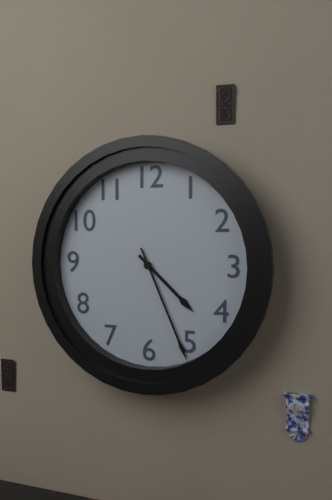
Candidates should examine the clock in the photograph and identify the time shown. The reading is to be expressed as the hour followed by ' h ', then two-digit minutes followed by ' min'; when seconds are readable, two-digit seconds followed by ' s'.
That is 4 h 26 min
